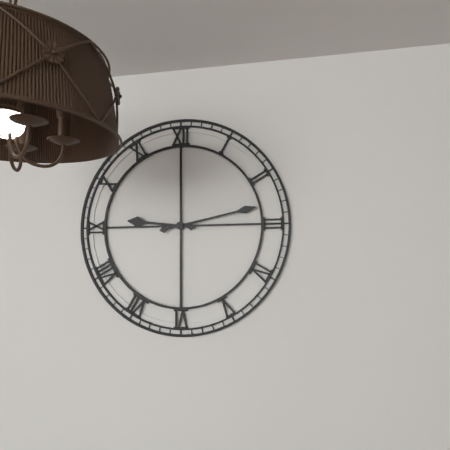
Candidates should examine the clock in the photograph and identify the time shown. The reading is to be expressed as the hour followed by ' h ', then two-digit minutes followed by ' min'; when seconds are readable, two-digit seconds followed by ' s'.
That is 9 h 13 min
